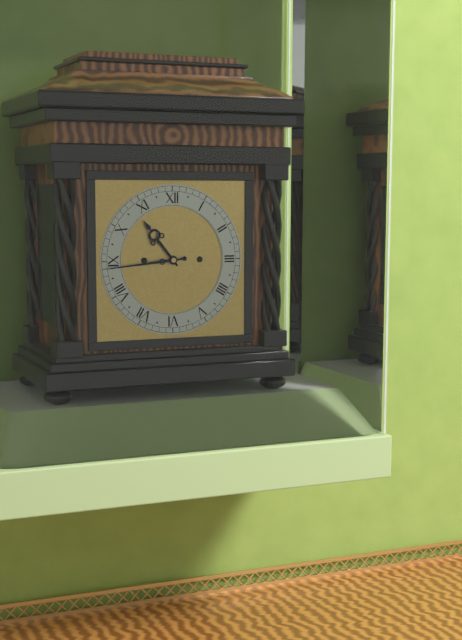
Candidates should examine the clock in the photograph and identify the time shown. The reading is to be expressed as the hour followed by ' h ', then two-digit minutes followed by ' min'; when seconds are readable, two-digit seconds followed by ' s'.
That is 10 h 44 min
